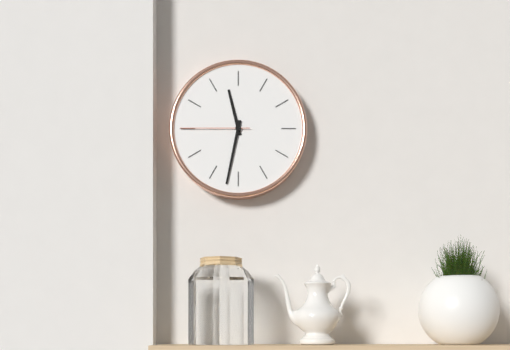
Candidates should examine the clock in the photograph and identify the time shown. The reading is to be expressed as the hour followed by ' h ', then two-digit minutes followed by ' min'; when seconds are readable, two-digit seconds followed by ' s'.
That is 11 h 32 min 45 s
